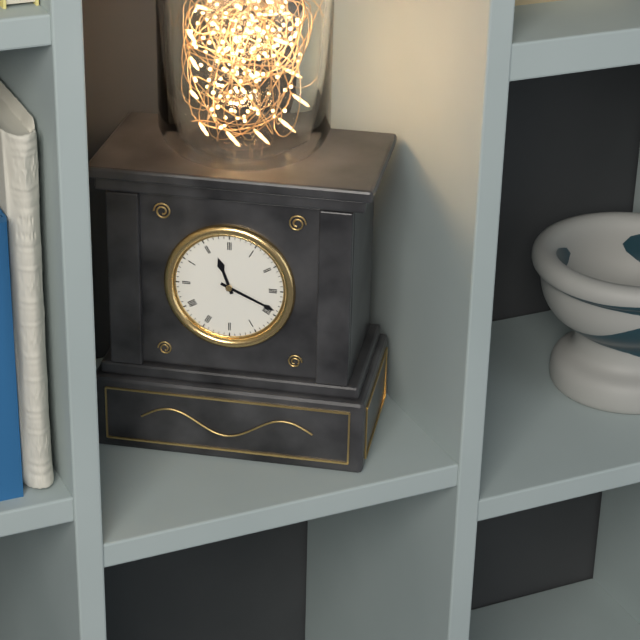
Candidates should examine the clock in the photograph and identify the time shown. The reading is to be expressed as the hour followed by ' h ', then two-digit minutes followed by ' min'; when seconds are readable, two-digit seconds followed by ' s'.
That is 11 h 19 min
